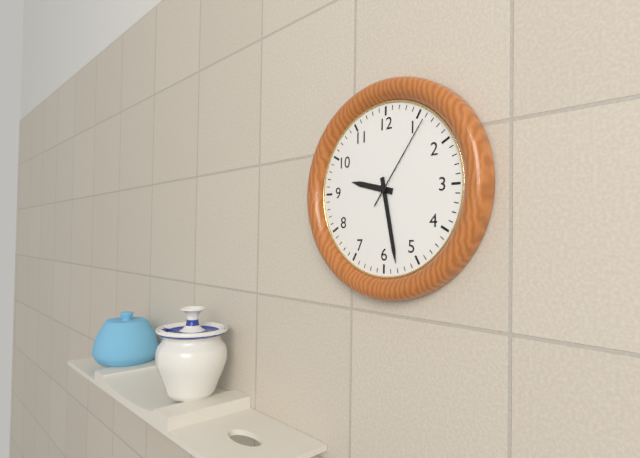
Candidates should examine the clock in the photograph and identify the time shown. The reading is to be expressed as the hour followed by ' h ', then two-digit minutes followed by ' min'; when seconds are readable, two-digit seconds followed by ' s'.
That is 9 h 28 min 06 s
